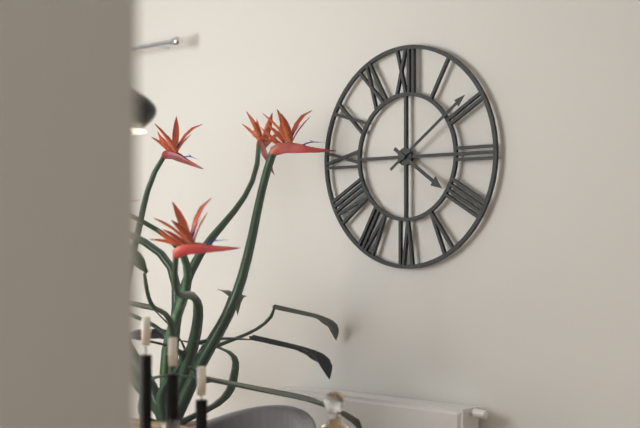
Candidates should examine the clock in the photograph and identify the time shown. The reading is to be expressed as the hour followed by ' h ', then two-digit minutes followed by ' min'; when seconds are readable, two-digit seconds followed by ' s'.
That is 4 h 09 min
